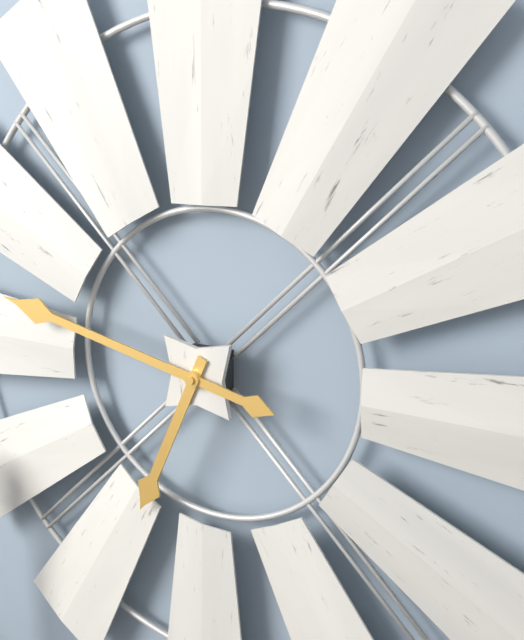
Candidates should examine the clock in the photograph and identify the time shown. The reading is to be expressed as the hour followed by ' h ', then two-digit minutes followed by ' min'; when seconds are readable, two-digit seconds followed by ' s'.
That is 6 h 47 min
